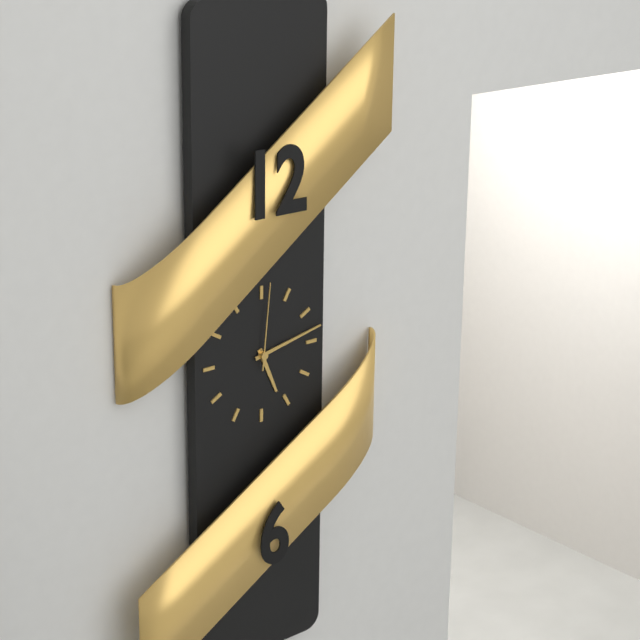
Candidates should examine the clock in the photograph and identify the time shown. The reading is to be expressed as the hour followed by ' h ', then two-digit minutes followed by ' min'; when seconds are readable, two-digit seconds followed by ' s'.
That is 5 h 13 min 01 s
